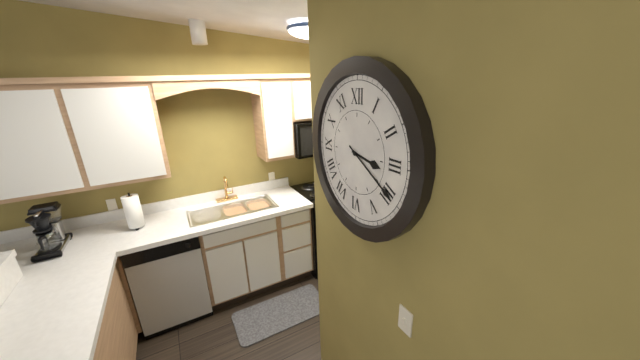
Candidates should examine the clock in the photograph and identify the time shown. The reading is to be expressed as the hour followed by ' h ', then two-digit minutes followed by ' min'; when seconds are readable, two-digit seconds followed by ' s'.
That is 3 h 20 min
